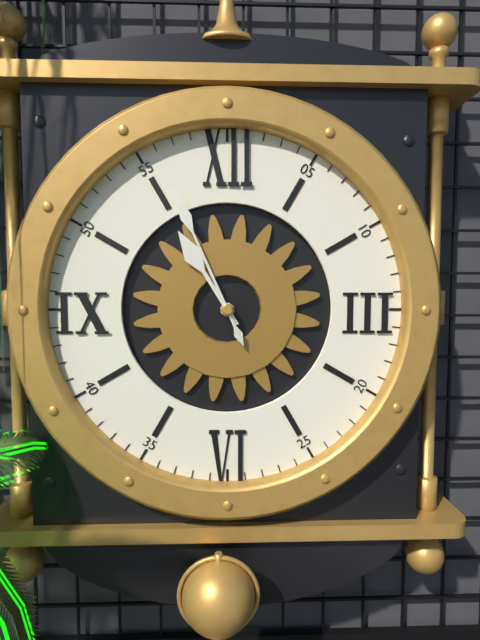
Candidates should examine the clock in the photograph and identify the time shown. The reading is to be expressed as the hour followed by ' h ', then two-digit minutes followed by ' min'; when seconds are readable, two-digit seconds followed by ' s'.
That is 10 h 56 min
